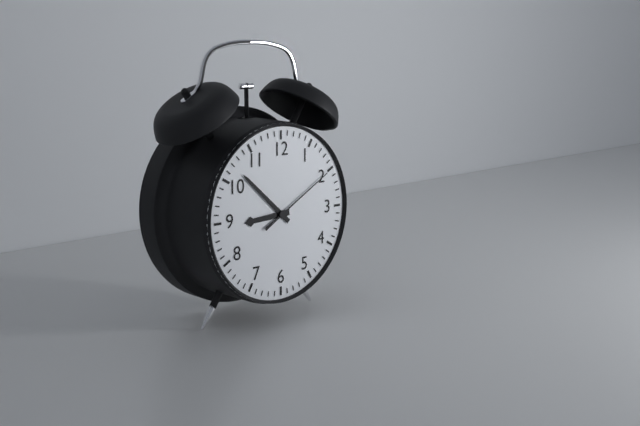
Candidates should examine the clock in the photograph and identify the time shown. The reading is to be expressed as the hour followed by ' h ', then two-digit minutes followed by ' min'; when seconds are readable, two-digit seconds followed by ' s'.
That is 8 h 52 min 10 s
